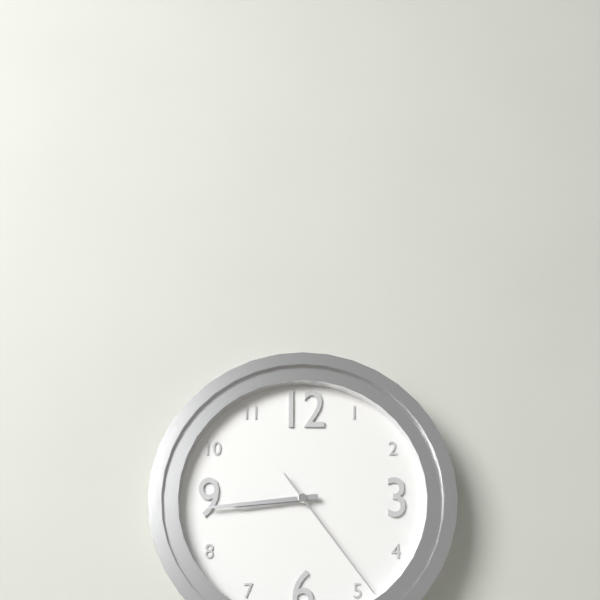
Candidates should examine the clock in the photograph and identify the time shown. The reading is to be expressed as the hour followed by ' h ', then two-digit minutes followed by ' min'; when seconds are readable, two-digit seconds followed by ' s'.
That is 8 h 44 min 24 s
